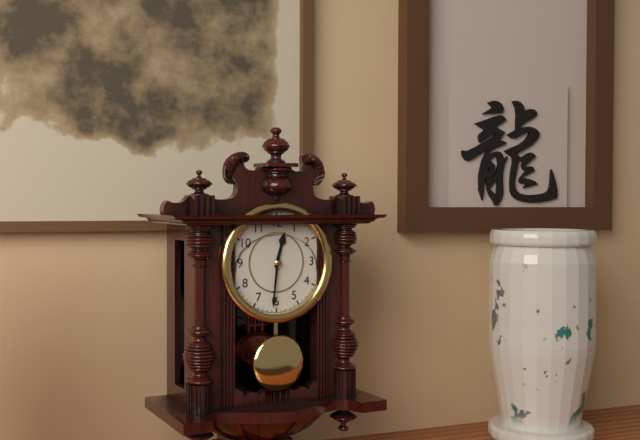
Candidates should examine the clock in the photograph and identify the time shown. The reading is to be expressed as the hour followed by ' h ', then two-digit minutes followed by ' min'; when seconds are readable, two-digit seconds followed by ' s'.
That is 12 h 31 min
